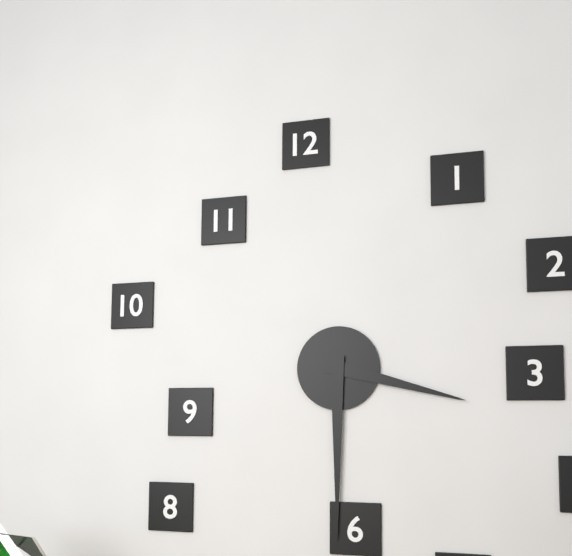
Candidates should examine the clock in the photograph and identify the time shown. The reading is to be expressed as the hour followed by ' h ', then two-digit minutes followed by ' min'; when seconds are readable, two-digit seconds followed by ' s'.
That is 3 h 30 min
